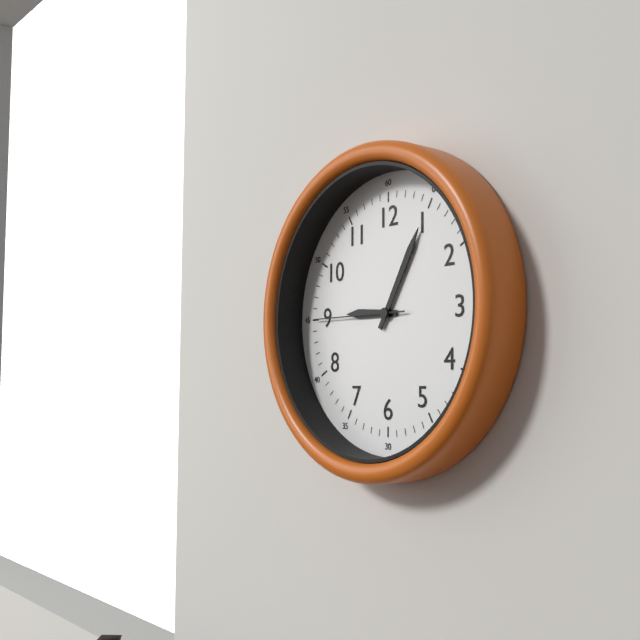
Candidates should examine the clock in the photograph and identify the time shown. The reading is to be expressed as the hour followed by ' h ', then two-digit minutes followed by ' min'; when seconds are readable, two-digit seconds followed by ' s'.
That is 9 h 05 min 45 s
